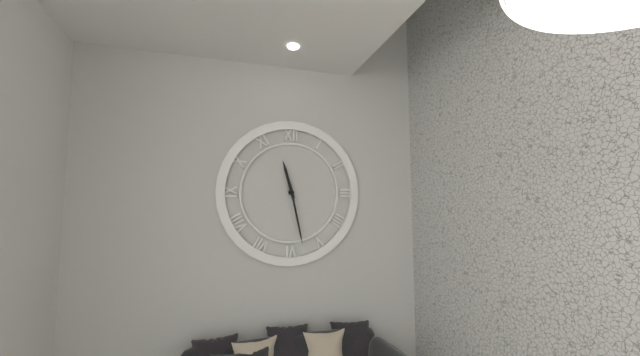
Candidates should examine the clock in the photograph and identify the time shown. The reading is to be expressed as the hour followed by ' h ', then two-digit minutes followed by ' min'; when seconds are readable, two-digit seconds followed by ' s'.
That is 11 h 28 min
